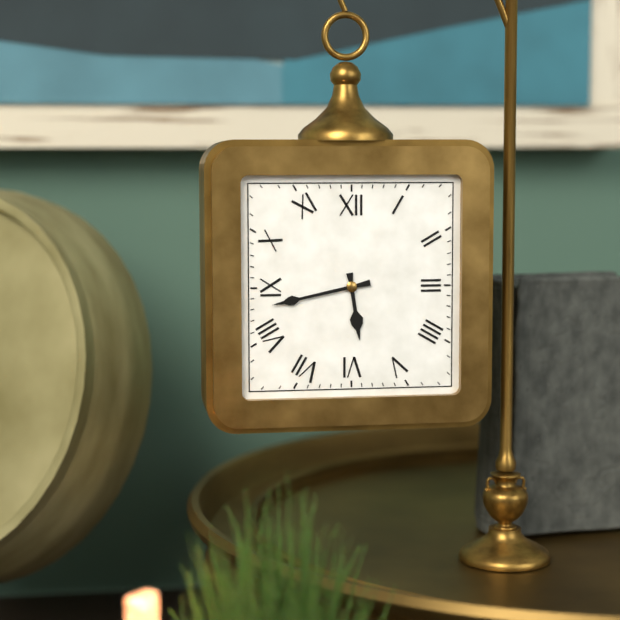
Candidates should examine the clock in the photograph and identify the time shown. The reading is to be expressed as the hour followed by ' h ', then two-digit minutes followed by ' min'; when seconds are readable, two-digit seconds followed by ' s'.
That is 5 h 43 min
